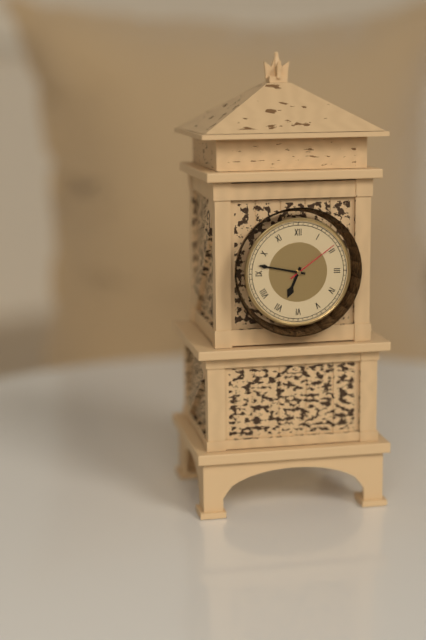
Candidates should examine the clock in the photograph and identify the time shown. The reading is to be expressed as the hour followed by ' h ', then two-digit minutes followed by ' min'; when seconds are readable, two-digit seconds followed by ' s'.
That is 6 h 47 min 09 s
